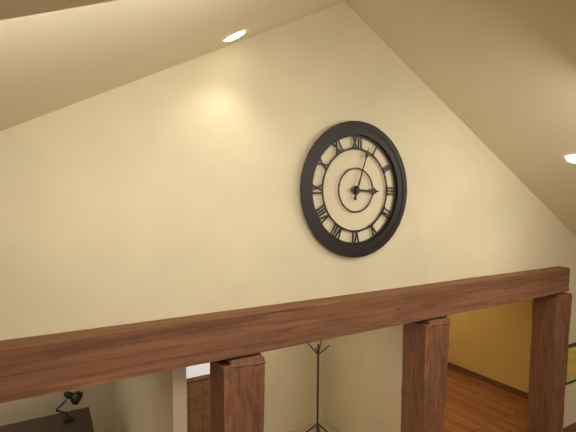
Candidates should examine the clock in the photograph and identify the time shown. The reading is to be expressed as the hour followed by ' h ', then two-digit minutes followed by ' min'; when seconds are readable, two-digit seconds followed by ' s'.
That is 3 h 03 min
